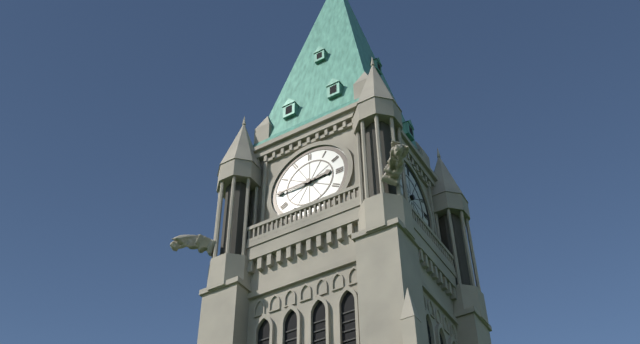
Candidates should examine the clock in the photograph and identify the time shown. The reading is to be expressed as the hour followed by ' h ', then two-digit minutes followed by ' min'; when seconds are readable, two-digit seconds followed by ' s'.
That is 2 h 45 min
